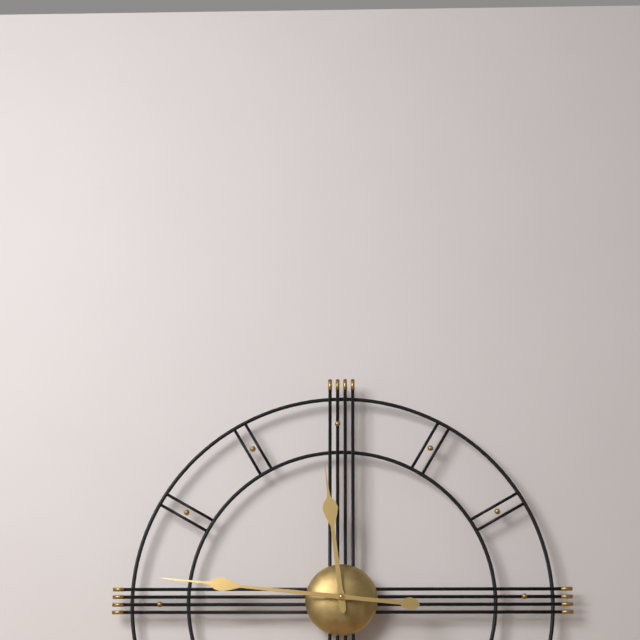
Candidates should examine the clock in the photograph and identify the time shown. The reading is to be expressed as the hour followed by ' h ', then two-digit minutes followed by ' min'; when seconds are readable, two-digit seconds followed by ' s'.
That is 11 h 46 min
